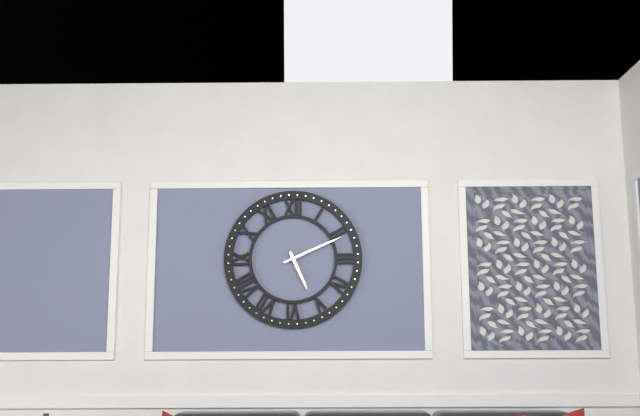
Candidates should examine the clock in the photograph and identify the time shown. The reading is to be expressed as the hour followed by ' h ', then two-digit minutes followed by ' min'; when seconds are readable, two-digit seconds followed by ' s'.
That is 5 h 11 min
